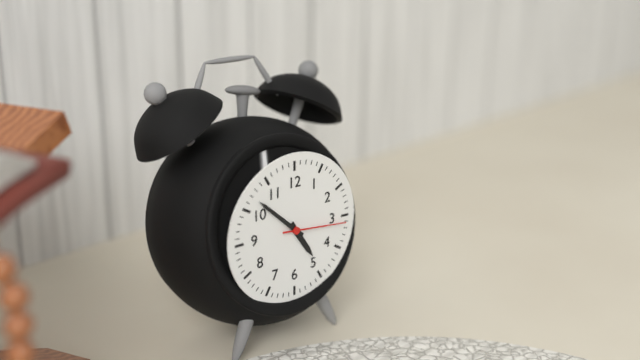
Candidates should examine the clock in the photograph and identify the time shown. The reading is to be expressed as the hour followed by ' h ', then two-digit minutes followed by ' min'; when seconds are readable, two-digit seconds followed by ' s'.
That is 4 h 52 min 16 s
